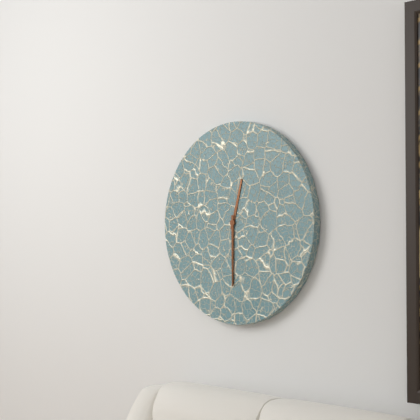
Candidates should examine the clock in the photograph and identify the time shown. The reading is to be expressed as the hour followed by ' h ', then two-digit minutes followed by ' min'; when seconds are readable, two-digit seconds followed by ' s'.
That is 12 h 30 min
